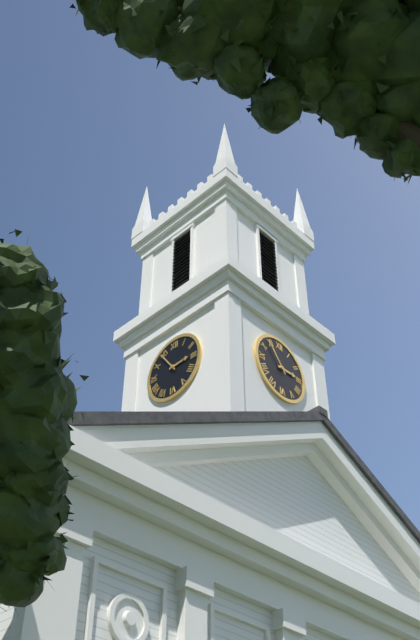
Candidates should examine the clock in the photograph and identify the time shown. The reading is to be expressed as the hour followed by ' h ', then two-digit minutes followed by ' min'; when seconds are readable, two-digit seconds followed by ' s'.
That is 2 h 54 min
